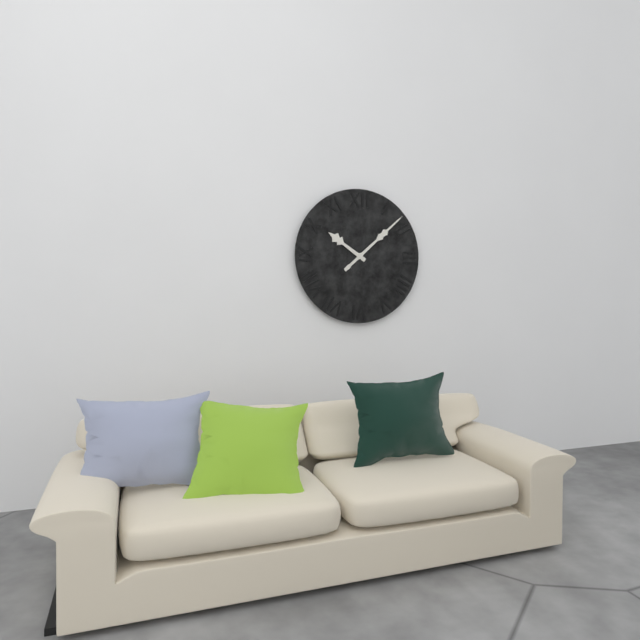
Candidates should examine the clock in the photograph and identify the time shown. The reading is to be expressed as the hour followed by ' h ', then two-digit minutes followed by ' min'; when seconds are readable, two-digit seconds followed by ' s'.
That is 10 h 08 min
